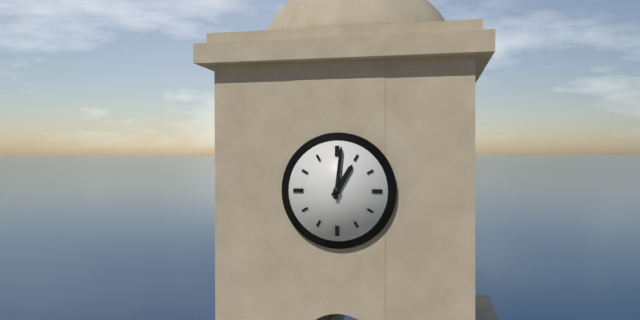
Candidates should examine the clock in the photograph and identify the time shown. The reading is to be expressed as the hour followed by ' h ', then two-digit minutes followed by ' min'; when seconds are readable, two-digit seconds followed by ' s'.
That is 1 h 01 min
